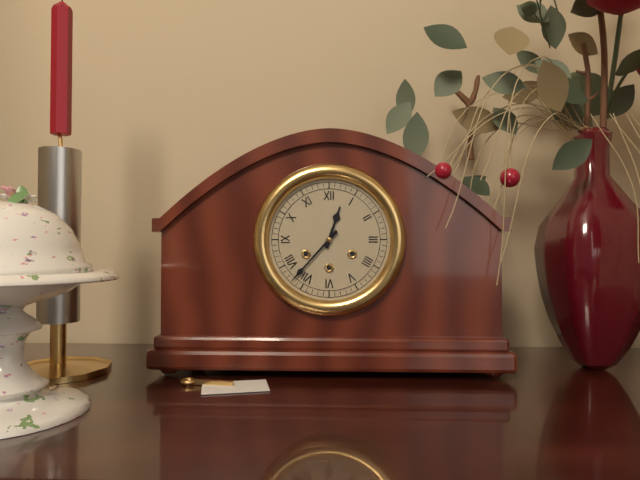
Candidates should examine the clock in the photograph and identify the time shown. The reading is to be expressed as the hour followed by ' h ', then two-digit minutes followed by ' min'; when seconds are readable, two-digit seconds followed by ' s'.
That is 12 h 37 min
